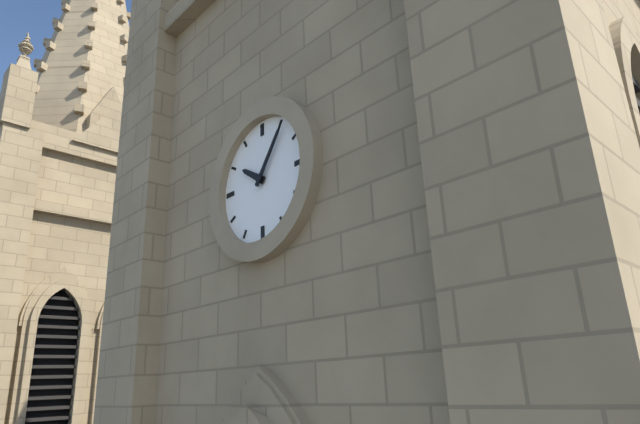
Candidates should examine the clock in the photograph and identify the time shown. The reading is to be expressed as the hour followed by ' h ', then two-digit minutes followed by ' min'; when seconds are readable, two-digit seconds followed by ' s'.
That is 10 h 06 min
